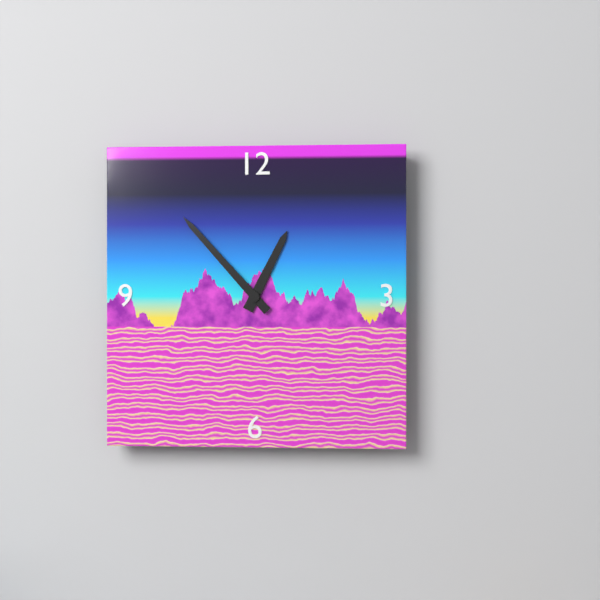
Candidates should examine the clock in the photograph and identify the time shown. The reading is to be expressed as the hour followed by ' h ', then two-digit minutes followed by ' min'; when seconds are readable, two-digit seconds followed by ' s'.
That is 12 h 53 min
